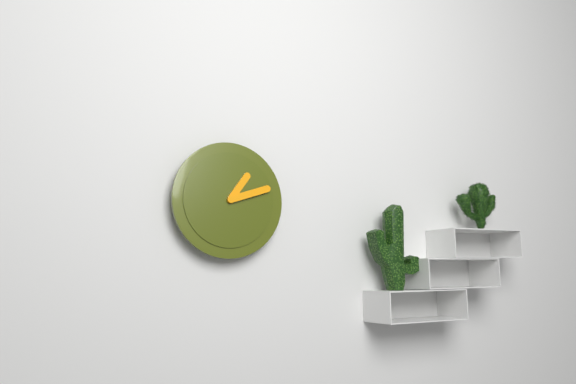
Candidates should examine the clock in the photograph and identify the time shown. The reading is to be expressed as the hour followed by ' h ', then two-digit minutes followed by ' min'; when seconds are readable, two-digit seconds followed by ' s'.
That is 1 h 12 min
